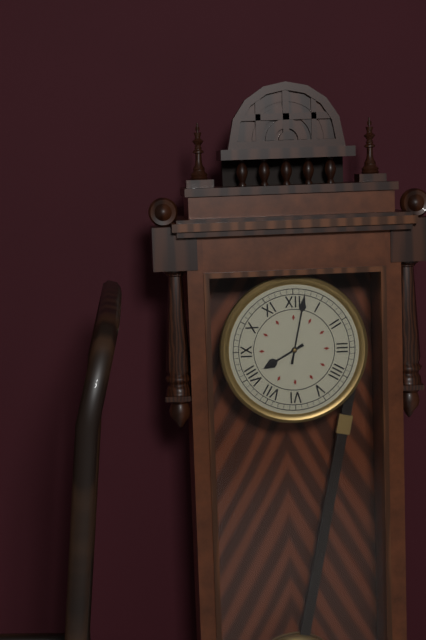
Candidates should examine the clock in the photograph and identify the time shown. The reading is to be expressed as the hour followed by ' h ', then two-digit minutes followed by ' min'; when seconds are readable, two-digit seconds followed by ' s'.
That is 8 h 02 min
